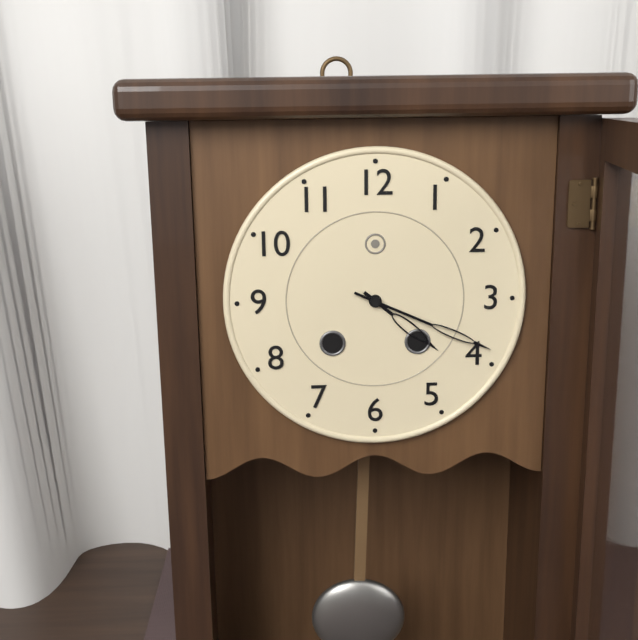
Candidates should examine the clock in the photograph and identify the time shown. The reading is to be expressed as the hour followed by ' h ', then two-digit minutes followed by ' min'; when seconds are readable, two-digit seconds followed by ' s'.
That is 4 h 19 min
